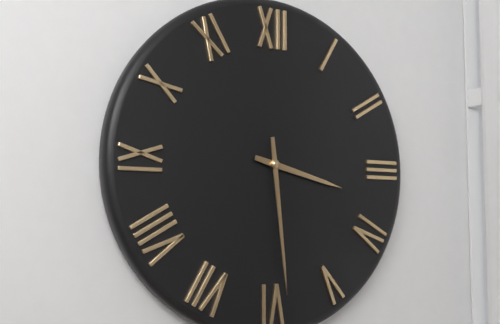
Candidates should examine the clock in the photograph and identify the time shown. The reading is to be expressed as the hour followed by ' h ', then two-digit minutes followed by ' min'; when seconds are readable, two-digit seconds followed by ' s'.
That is 3 h 29 min
